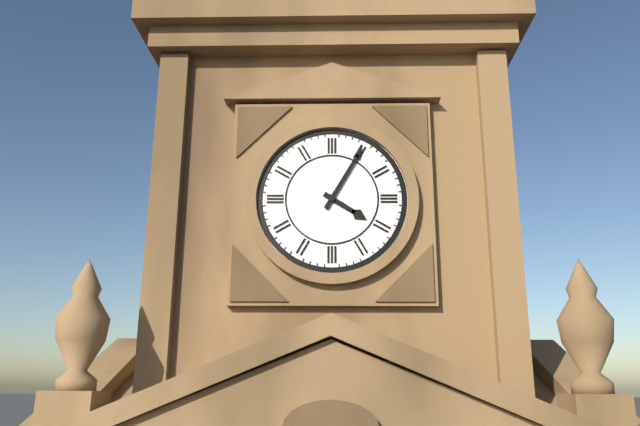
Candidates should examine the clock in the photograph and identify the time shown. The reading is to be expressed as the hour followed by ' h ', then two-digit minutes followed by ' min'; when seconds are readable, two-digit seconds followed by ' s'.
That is 4 h 05 min
